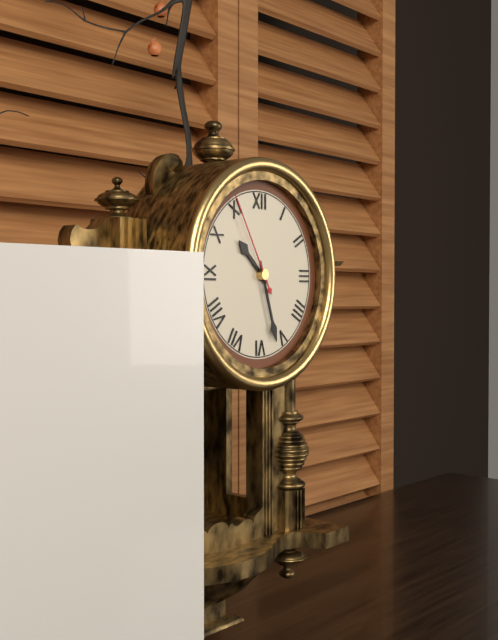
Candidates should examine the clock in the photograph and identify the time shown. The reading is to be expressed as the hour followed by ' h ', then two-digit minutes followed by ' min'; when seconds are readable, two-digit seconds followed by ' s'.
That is 10 h 27 min 55 s
